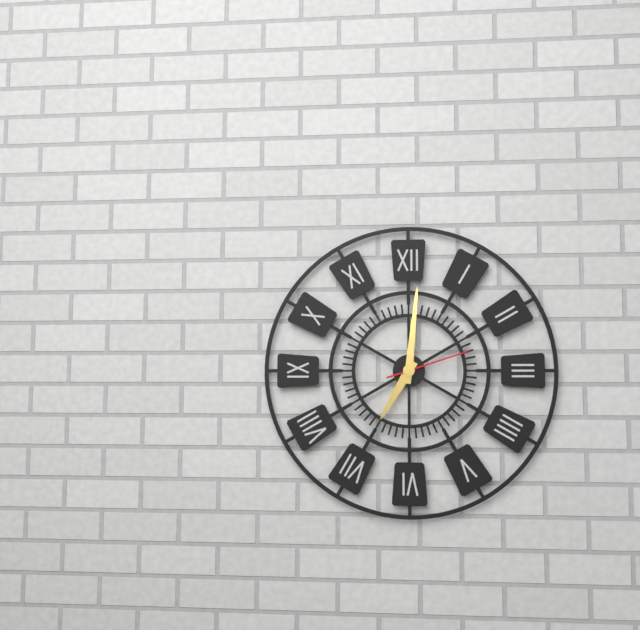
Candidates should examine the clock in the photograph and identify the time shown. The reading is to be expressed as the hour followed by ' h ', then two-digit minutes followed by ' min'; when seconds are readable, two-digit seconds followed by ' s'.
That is 7 h 01 min 12 s
